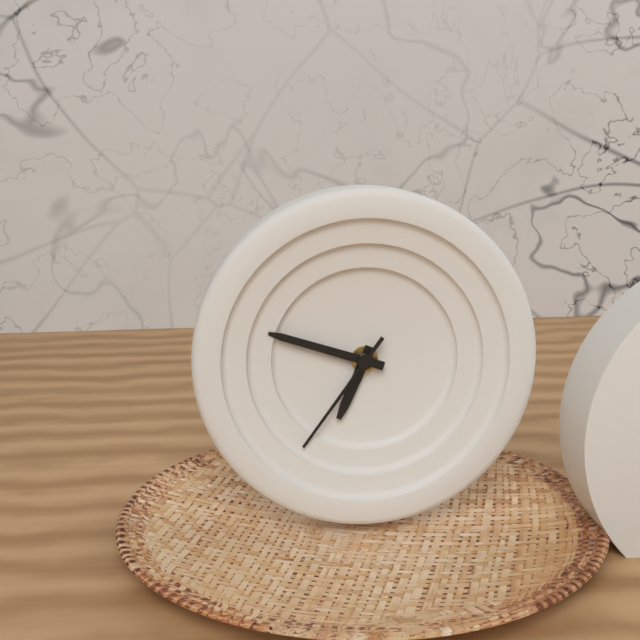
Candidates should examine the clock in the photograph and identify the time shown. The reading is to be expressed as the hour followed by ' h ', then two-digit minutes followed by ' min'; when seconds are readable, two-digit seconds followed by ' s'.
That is 6 h 48 min 36 s
